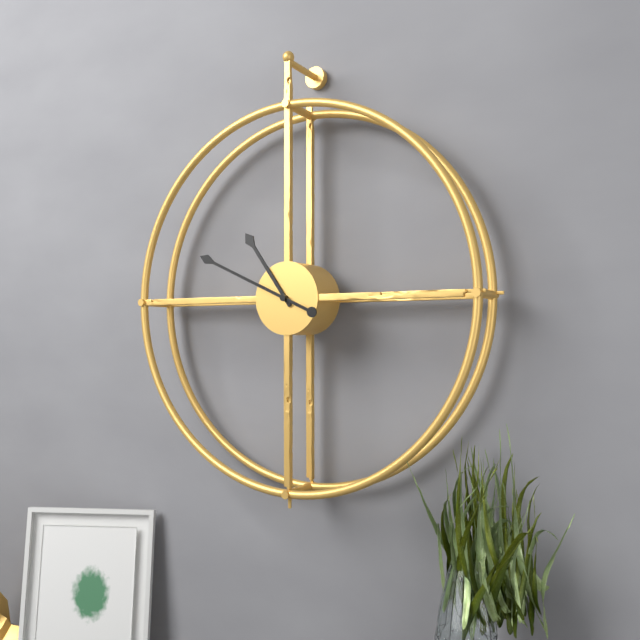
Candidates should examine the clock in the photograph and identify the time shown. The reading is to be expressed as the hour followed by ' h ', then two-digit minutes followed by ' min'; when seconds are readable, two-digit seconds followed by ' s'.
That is 10 h 49 min
